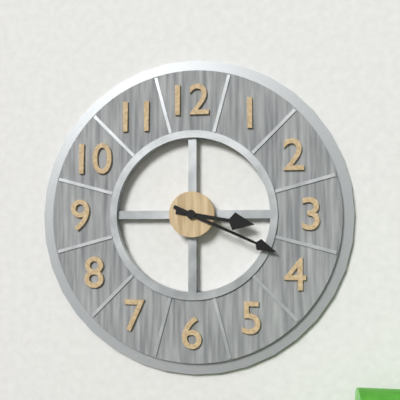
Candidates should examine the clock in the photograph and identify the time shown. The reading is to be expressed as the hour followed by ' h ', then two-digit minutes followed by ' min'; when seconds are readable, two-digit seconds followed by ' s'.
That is 3 h 19 min
